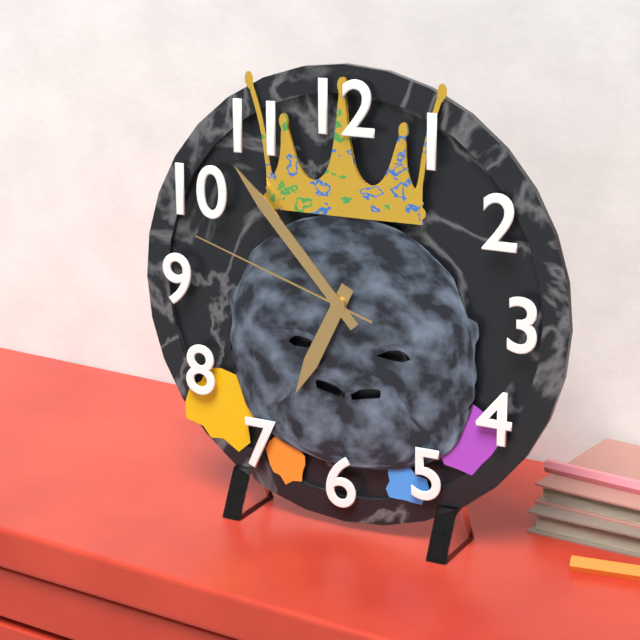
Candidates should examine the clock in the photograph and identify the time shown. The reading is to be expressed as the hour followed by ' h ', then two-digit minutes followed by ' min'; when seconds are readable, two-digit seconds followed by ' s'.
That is 6 h 53 min 48 s
